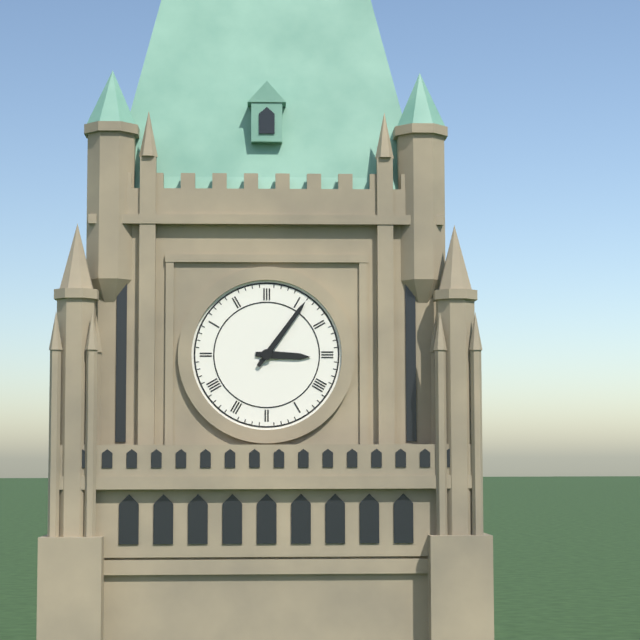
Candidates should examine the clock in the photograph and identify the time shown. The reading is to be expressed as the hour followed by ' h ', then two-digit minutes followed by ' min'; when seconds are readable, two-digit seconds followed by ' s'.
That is 3 h 06 min
